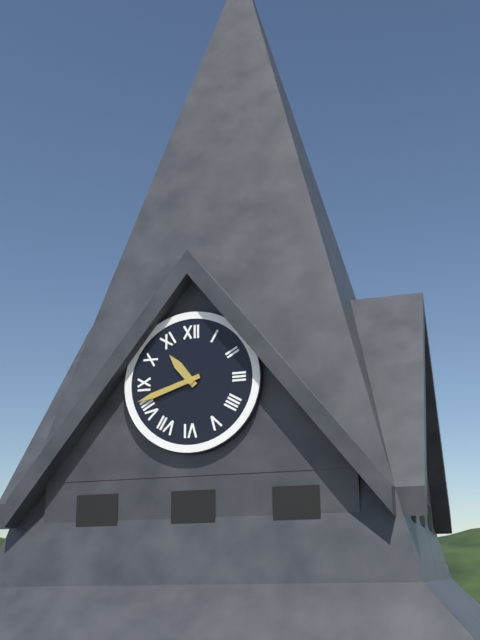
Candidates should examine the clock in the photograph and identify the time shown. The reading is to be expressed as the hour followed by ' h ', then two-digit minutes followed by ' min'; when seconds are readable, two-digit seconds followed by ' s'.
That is 10 h 42 min
